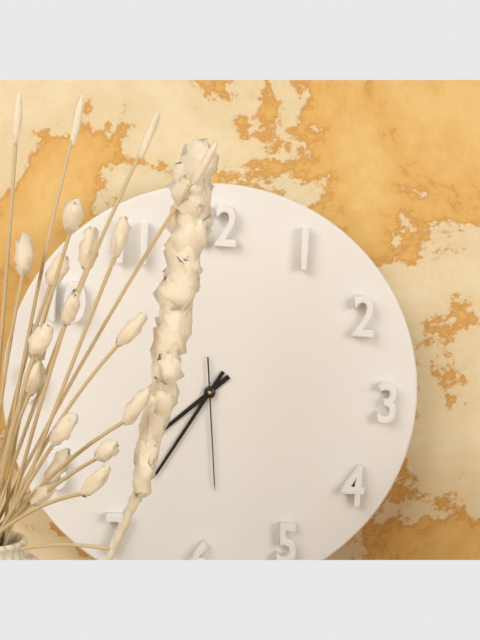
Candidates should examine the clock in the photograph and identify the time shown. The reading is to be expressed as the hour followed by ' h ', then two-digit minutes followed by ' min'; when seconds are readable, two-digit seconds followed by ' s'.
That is 7 h 35 min 29 s
